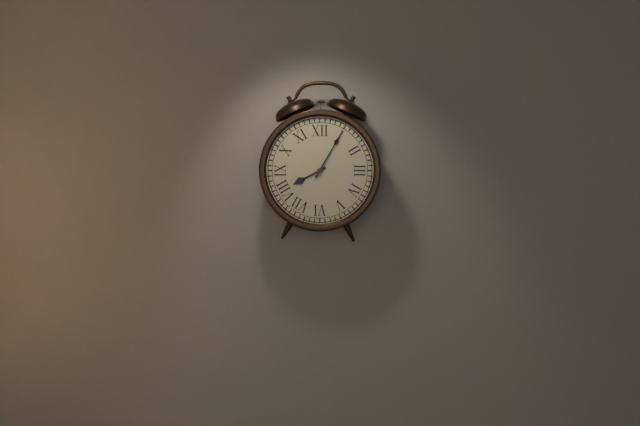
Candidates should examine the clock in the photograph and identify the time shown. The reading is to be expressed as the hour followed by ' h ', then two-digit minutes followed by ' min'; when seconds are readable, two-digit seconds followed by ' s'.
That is 8 h 05 min
